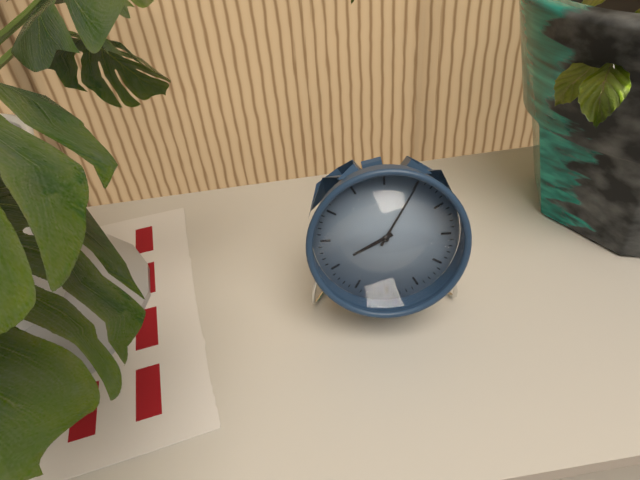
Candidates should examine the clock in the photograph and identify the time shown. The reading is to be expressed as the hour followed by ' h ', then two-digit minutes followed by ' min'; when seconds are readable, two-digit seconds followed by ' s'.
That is 8 h 05 min
